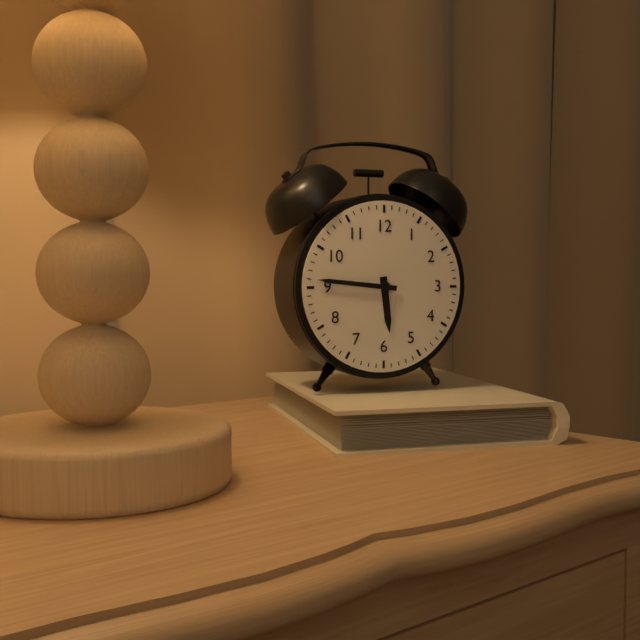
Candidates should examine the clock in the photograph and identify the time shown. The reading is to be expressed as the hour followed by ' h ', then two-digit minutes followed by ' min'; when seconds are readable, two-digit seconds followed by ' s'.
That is 5 h 46 min
